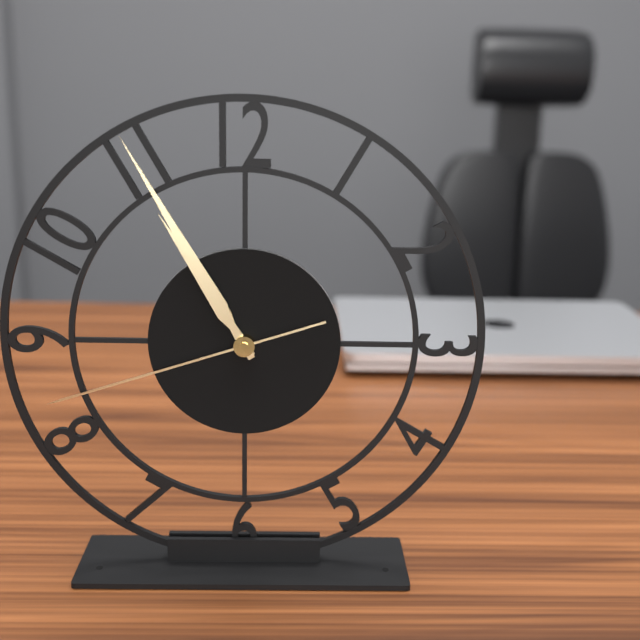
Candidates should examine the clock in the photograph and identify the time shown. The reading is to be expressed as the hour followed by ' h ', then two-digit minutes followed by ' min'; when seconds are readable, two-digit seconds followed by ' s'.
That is 10 h 55 min 42 s
